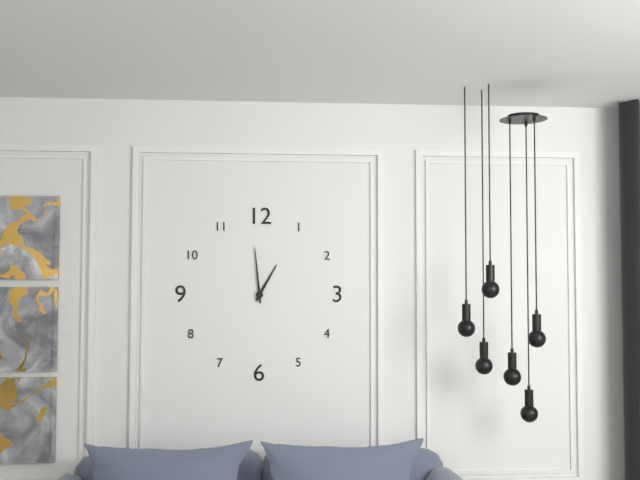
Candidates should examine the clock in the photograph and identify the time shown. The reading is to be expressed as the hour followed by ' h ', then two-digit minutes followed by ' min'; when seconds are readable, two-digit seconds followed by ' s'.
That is 12 h 59 min
